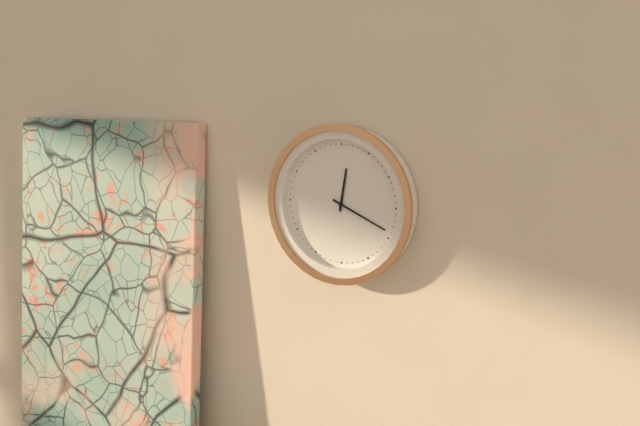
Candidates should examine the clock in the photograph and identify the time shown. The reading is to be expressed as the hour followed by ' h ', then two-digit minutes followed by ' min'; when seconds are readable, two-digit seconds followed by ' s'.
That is 12 h 19 min
